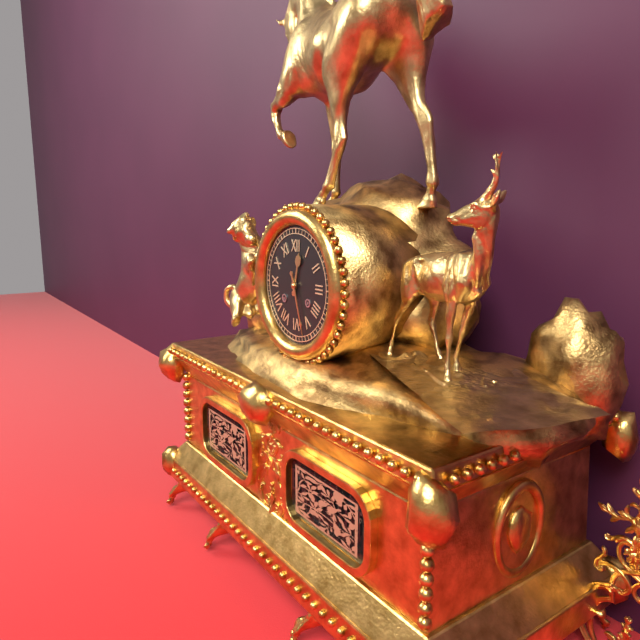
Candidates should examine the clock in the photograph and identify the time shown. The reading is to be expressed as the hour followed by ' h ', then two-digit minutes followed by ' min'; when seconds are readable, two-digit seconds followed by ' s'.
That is 12 h 27 min
